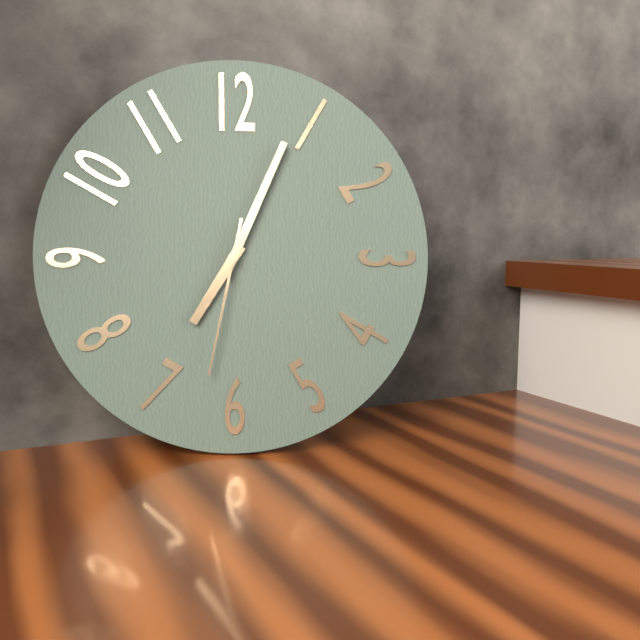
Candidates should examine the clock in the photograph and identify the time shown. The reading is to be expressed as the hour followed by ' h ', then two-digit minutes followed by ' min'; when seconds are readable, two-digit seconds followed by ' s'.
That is 7 h 04 min 32 s
